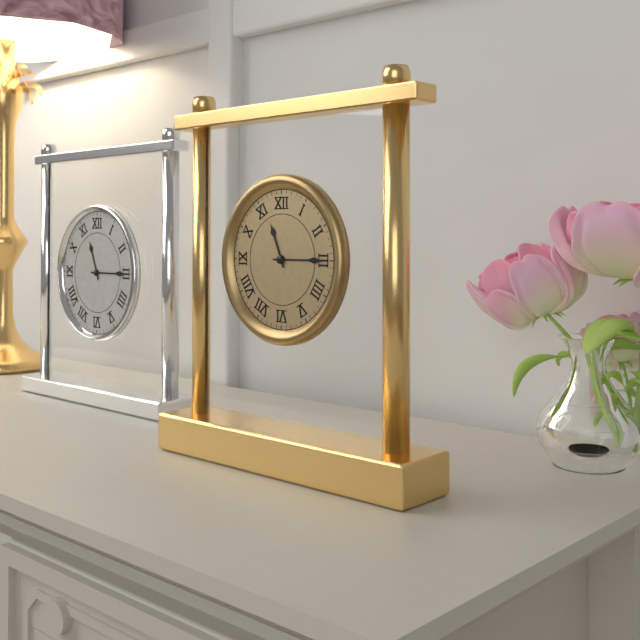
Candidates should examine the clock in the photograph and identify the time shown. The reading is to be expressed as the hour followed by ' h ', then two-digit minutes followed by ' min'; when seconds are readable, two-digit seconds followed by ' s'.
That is 11 h 15 min
